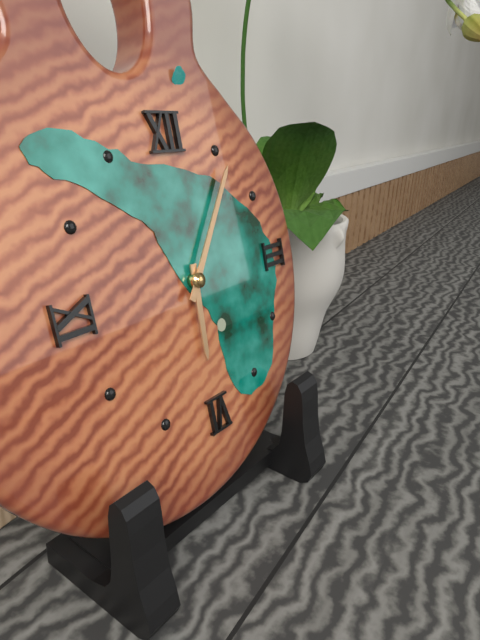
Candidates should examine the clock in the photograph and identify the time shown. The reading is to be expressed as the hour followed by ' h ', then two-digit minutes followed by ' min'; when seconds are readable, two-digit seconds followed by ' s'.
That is 6 h 06 min
